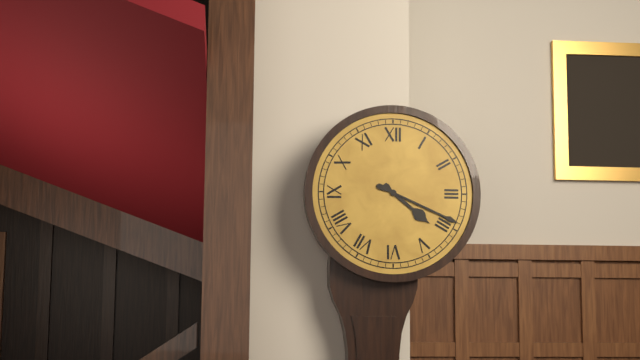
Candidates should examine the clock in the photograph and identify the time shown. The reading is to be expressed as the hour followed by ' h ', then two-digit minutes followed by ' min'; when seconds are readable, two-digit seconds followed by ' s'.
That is 4 h 19 min
